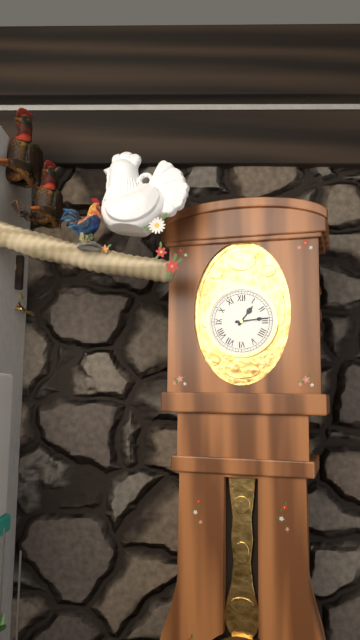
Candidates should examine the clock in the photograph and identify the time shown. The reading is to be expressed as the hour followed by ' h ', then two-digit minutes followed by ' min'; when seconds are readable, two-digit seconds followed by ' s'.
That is 1 h 14 min
